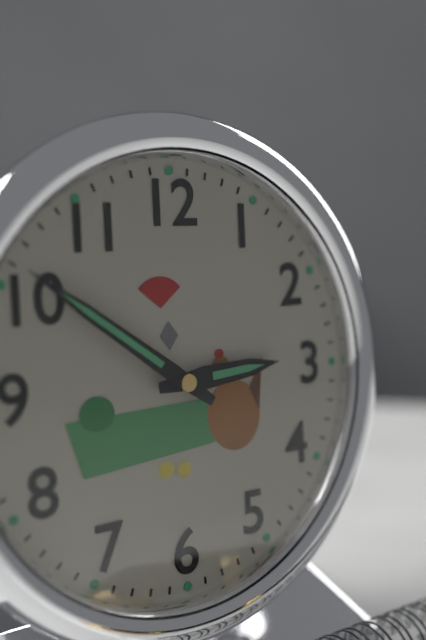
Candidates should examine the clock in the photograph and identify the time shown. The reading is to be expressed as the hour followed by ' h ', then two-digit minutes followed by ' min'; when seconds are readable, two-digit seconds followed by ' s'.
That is 2 h 51 min
